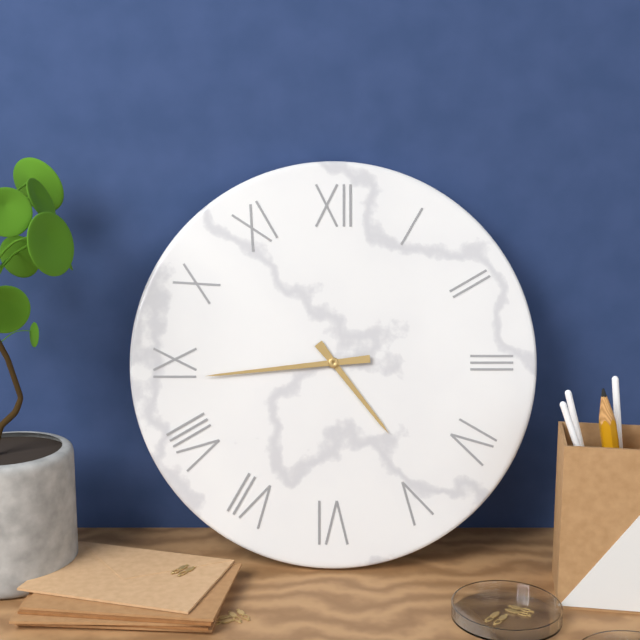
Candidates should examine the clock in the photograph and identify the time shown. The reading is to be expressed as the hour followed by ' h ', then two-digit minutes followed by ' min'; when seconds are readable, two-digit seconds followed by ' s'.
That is 4 h 44 min
